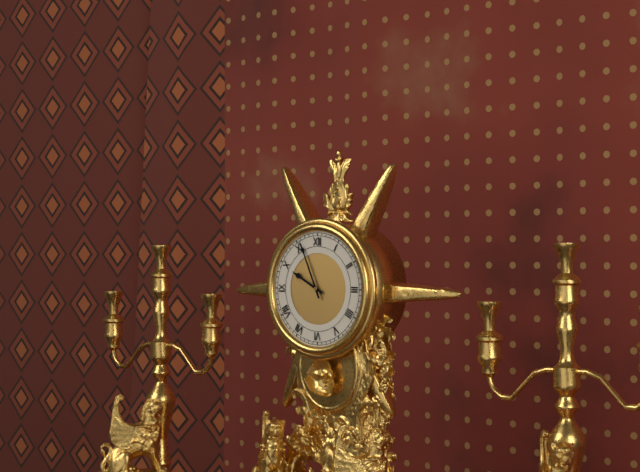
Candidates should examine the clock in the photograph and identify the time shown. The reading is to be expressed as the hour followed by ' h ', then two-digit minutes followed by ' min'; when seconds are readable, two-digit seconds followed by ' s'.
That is 9 h 56 min
